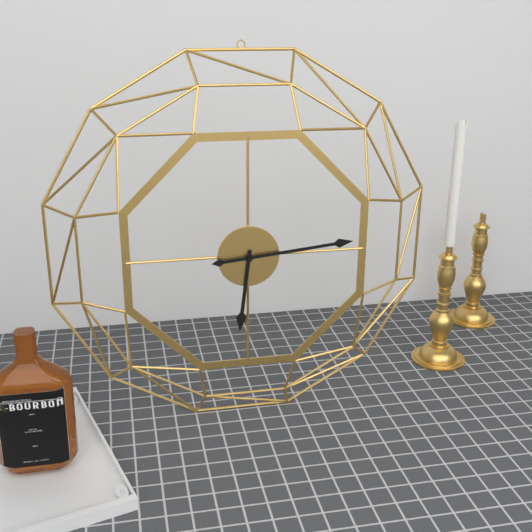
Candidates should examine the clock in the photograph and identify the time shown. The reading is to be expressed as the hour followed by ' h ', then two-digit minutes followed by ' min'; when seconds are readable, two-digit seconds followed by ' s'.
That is 6 h 14 min
